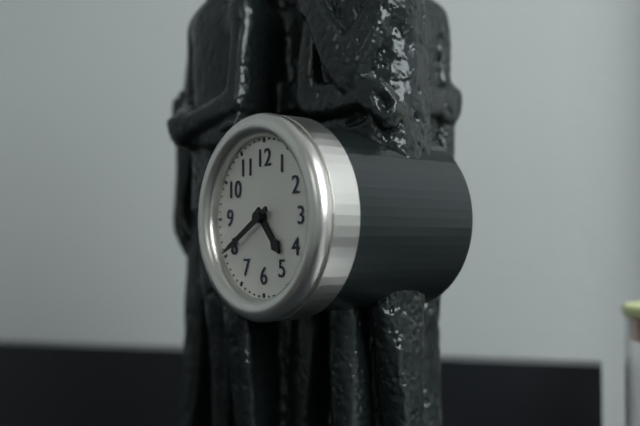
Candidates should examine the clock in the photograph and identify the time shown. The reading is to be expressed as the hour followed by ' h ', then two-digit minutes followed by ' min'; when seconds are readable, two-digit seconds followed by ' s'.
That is 4 h 40 min
